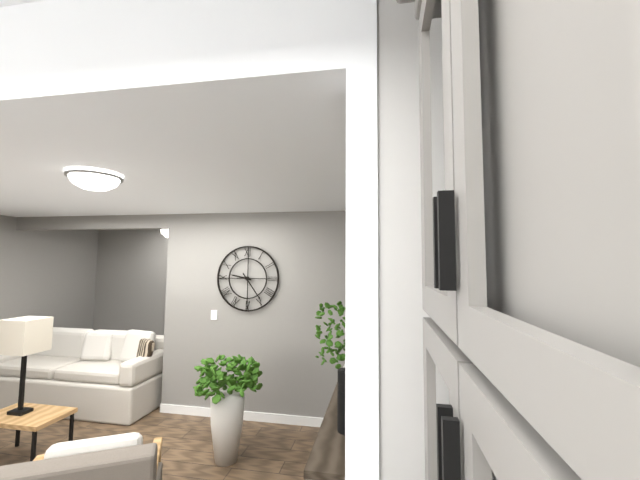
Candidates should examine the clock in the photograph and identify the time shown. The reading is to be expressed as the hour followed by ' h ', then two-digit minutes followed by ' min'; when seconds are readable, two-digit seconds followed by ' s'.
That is 9 h 24 min
